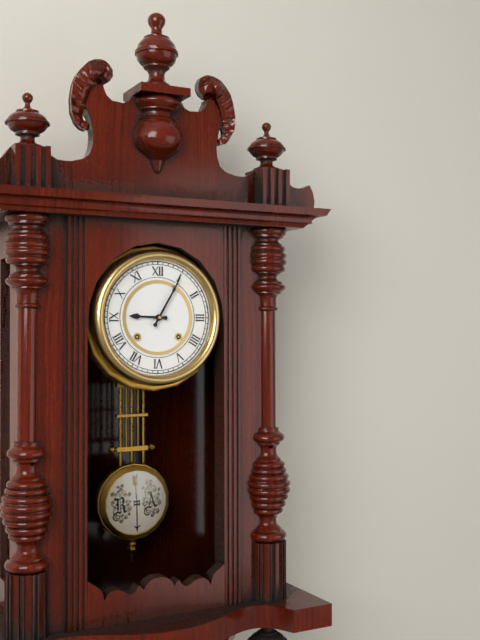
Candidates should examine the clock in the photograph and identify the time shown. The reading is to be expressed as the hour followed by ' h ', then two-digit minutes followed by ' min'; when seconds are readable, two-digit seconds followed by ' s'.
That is 9 h 05 min
